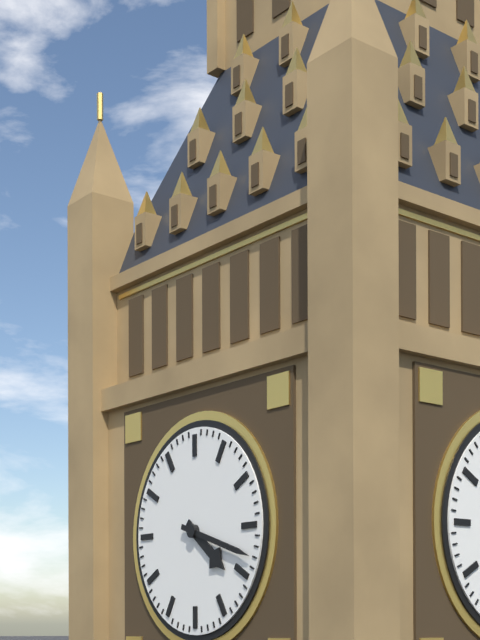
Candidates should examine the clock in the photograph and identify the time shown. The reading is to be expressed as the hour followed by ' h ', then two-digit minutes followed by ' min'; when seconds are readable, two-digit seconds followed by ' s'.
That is 4 h 18 min
